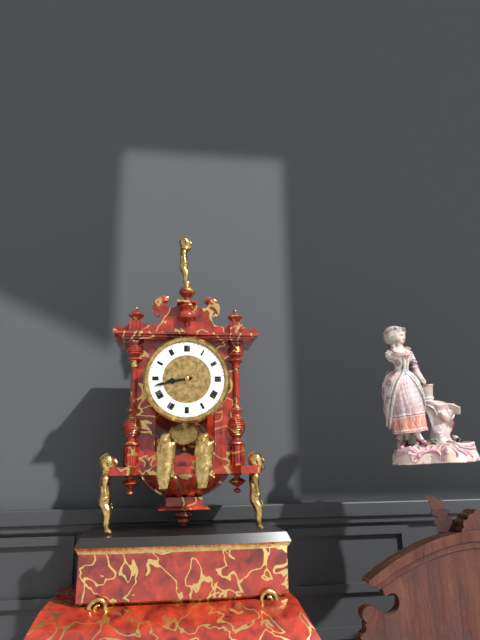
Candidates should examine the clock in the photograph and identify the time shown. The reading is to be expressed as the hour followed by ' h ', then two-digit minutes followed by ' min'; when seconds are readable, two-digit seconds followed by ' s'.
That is 8 h 43 min
